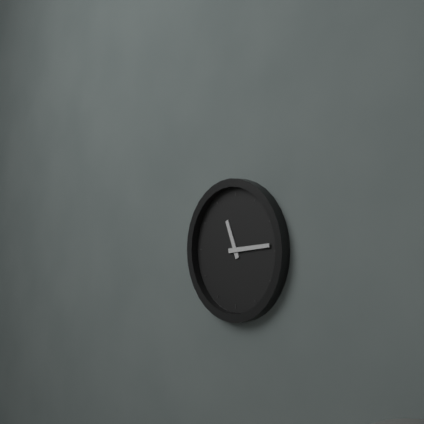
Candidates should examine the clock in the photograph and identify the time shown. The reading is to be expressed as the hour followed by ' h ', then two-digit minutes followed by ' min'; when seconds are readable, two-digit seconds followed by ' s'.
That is 11 h 14 min
